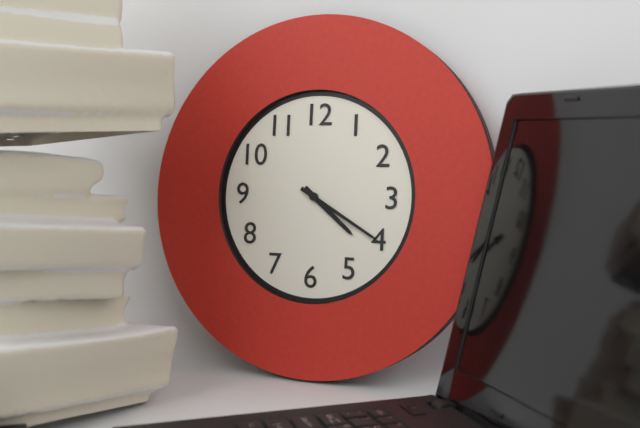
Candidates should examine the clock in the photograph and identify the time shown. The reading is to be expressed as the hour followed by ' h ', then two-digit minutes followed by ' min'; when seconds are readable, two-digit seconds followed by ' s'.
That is 4 h 20 min
